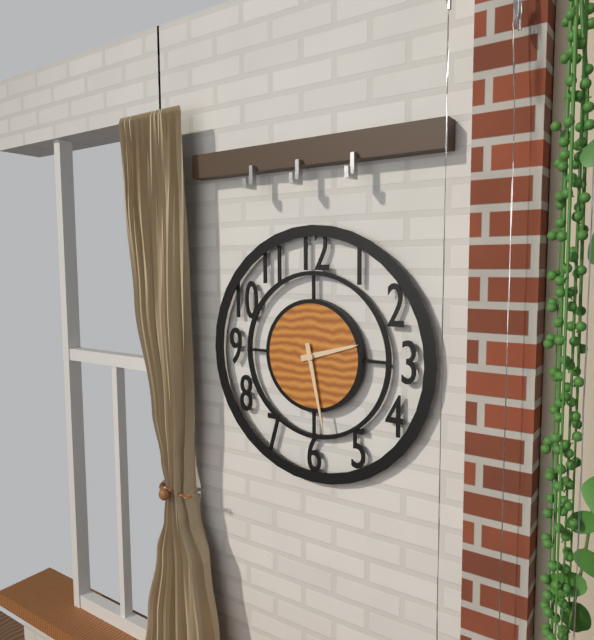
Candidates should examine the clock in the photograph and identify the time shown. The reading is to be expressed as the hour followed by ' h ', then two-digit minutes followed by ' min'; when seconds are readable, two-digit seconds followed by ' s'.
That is 2 h 28 min
